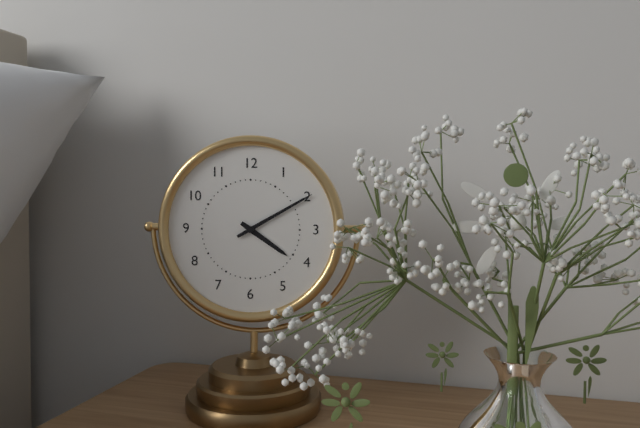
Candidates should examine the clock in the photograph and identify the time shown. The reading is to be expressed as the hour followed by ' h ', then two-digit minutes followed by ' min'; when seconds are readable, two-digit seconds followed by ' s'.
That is 4 h 10 min
